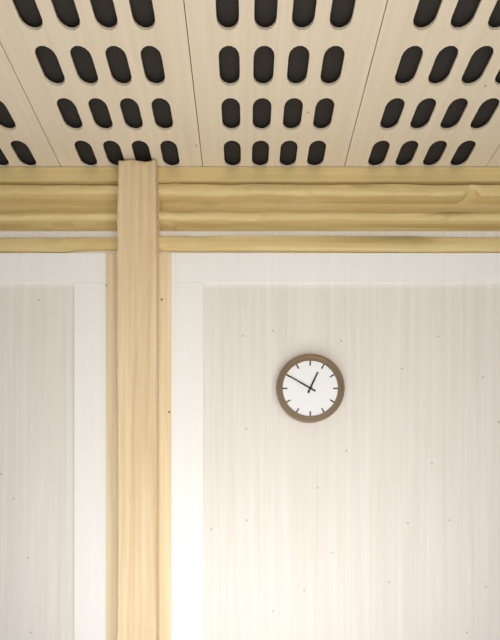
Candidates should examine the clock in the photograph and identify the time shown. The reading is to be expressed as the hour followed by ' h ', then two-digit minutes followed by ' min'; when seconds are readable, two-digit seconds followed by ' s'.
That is 12 h 50 min
